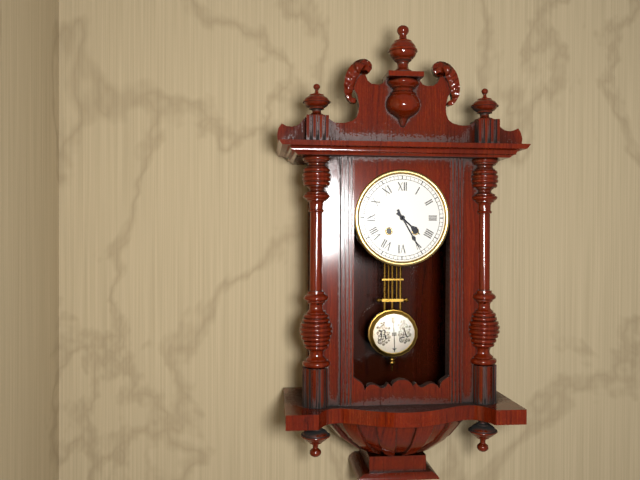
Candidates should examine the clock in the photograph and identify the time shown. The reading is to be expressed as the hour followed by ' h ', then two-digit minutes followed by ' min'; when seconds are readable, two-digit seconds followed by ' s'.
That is 4 h 25 min
